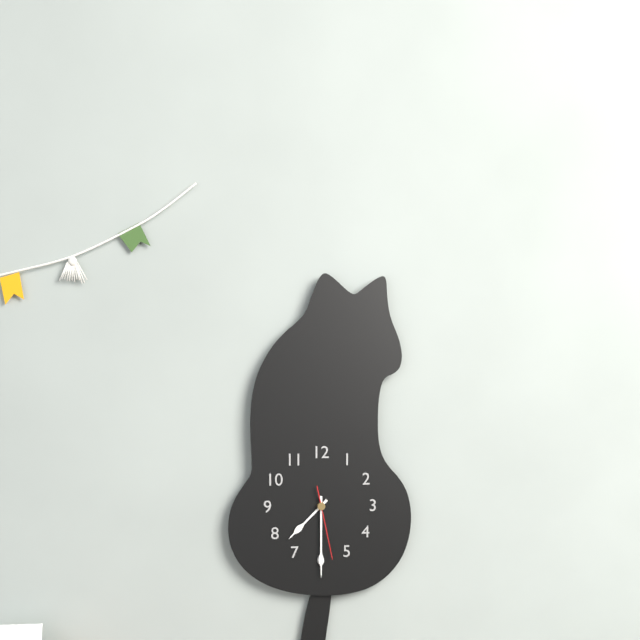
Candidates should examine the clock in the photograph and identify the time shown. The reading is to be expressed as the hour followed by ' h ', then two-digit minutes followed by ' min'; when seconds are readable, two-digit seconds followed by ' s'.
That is 7 h 30 min 28 s
